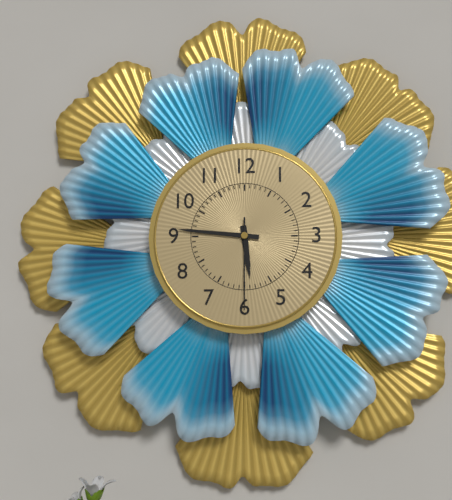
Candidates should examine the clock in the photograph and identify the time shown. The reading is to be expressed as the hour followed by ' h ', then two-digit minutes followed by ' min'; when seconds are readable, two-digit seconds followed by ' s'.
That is 5 h 46 min 30 s
